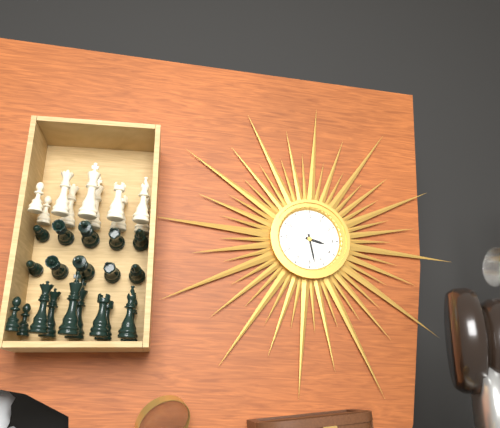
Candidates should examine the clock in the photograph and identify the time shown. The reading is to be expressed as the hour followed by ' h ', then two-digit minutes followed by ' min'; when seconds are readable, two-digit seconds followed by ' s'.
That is 3 h 28 min
